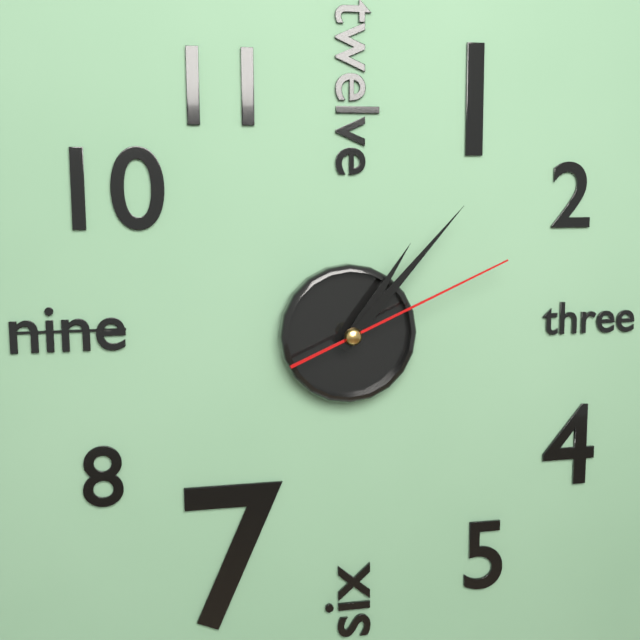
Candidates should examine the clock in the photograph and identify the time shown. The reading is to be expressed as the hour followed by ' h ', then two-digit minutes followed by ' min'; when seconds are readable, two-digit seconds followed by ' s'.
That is 1 h 07 min 11 s
